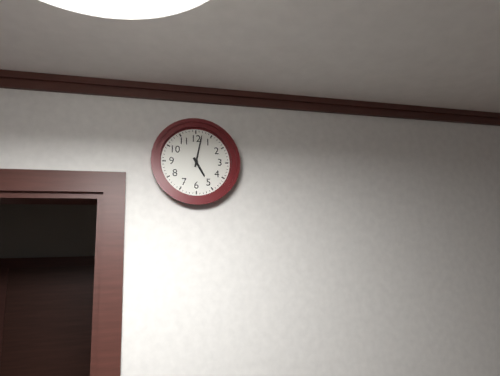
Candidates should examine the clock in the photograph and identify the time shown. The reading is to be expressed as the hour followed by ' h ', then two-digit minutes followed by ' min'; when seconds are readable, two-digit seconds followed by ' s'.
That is 5 h 02 min
